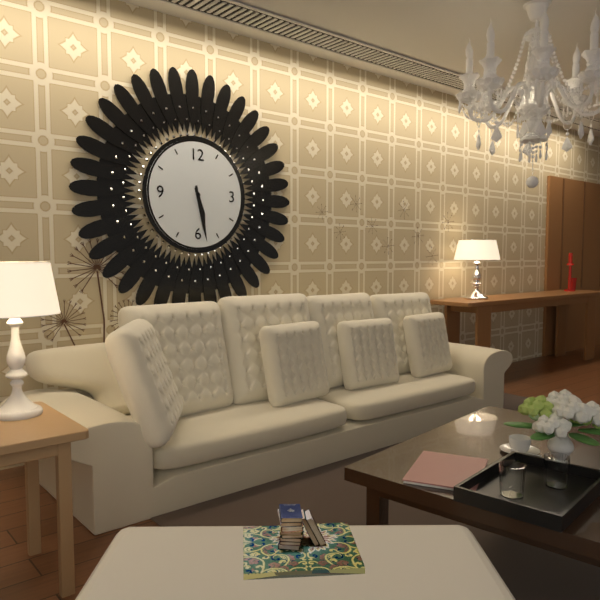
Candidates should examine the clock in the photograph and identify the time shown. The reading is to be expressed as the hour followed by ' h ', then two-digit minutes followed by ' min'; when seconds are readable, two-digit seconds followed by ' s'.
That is 5 h 28 min
